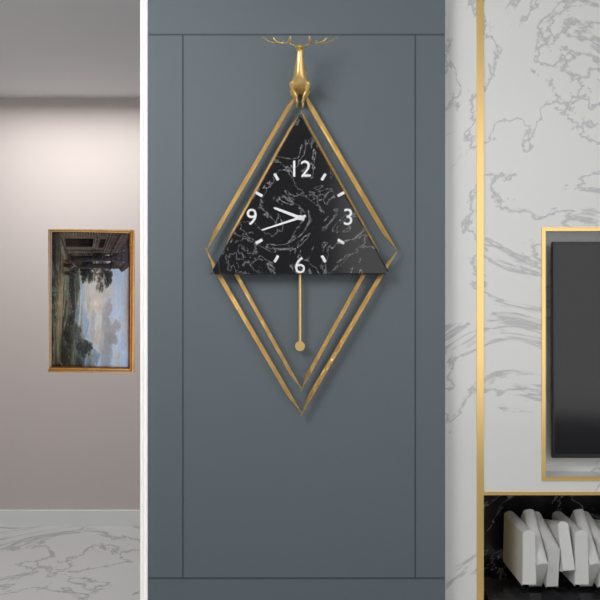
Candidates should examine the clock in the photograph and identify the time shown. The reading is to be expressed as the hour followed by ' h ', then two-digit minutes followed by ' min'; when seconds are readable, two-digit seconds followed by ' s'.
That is 9 h 42 min
